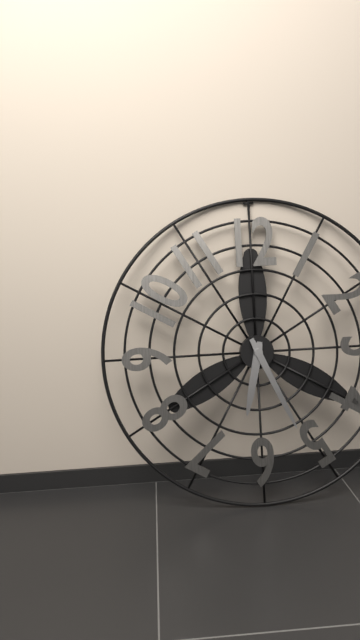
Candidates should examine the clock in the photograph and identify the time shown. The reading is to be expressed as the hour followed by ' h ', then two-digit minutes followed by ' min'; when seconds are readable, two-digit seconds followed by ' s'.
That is 6 h 26 min
